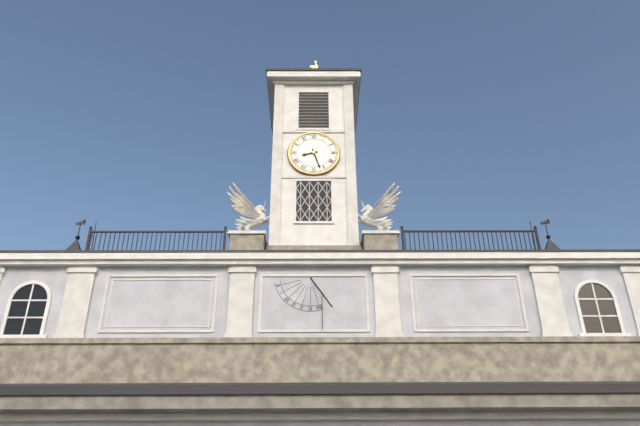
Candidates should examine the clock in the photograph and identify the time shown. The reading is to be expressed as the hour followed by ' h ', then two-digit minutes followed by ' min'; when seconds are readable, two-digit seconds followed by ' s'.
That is 8 h 27 min
